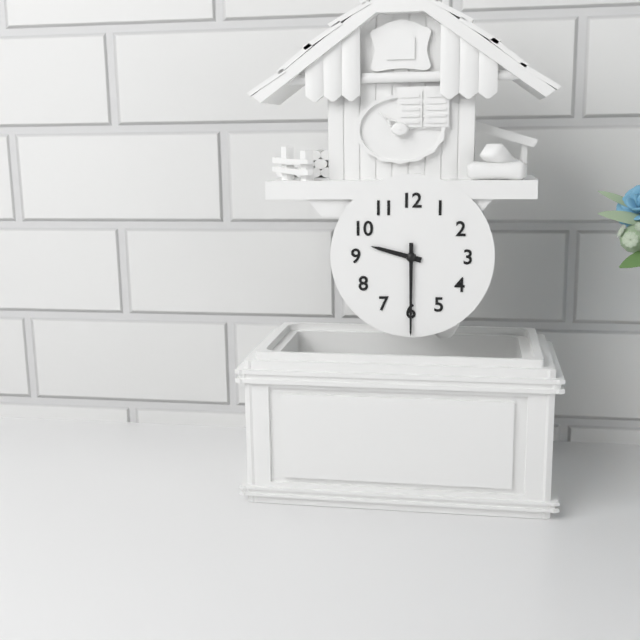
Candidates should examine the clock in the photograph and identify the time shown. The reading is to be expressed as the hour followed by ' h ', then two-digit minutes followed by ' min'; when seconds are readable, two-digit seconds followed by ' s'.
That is 9 h 30 min
